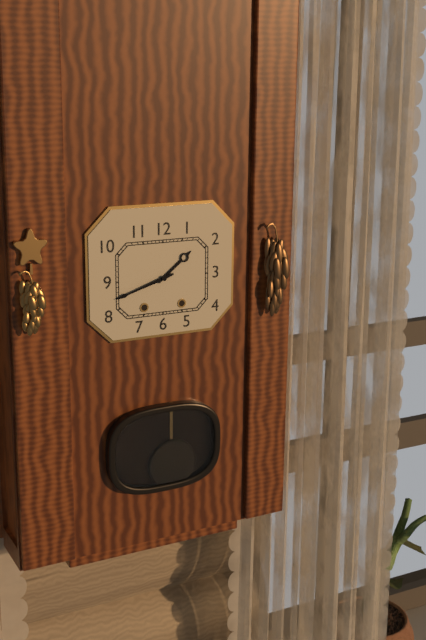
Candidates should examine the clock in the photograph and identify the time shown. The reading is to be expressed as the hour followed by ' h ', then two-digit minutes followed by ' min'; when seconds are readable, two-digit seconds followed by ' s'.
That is 1 h 42 min
